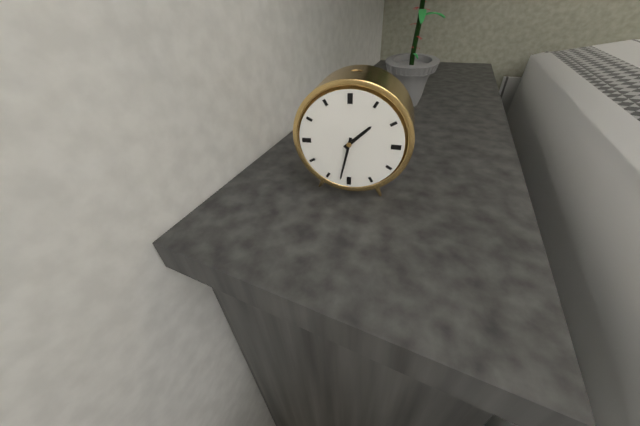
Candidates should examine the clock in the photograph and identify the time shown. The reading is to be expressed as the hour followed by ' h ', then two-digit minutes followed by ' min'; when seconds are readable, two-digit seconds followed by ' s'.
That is 1 h 32 min
